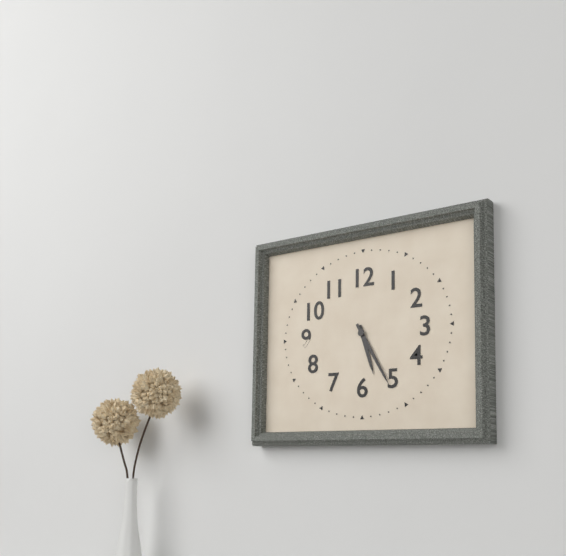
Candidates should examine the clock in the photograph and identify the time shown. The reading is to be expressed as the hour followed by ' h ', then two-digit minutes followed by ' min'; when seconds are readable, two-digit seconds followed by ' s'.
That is 5 h 25 min
